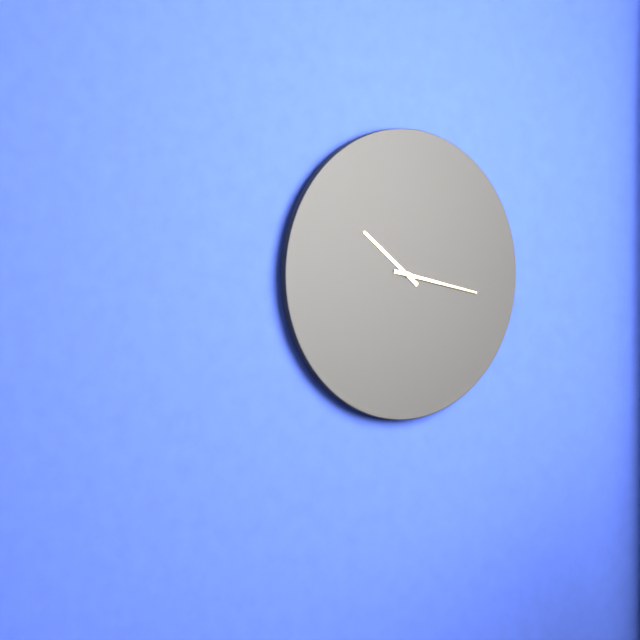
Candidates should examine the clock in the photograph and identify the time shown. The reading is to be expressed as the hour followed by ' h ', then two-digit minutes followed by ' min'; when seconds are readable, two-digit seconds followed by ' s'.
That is 10 h 17 min
